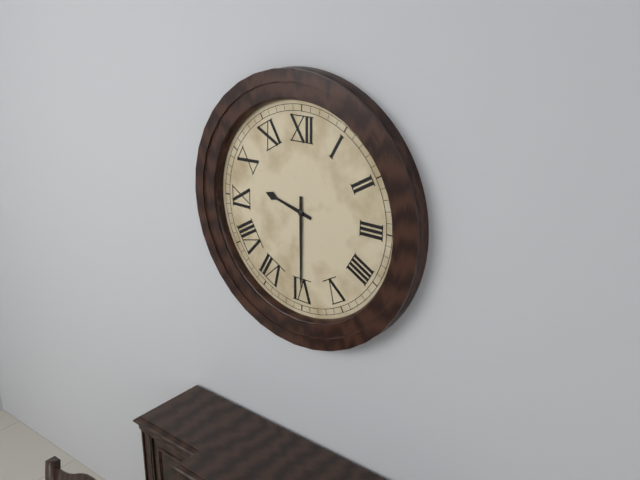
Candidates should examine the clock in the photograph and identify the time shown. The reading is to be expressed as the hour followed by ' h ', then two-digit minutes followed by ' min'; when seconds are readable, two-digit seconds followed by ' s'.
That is 9 h 30 min
